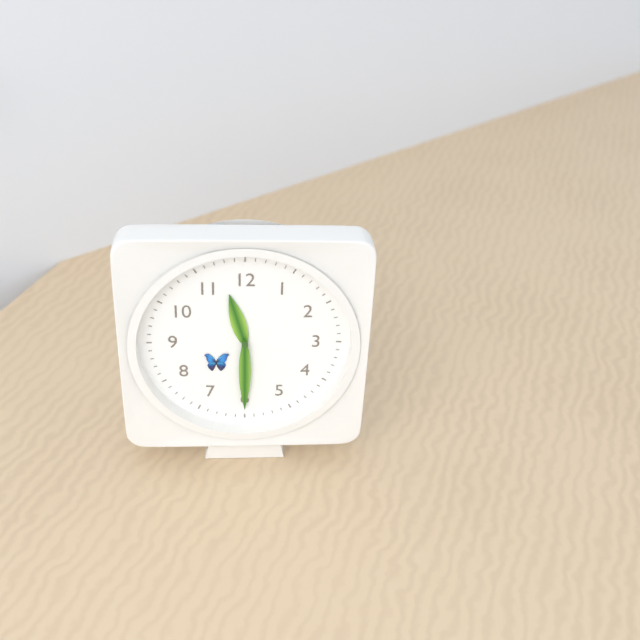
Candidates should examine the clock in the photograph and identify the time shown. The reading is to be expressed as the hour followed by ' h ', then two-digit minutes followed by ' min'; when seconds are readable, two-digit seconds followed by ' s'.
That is 11 h 30 min
